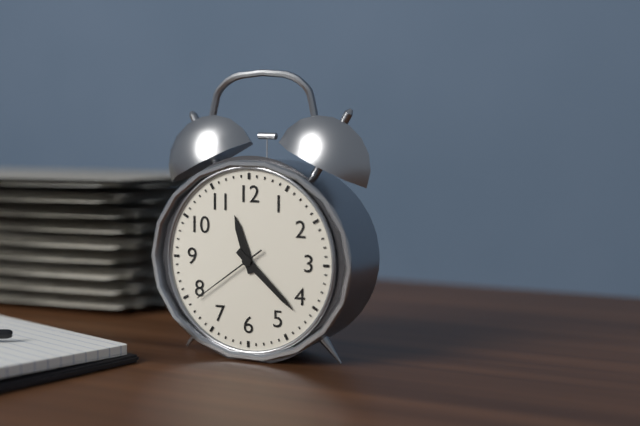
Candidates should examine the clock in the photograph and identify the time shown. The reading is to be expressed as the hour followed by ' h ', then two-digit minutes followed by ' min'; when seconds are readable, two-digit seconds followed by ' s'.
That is 11 h 22 min 39 s
